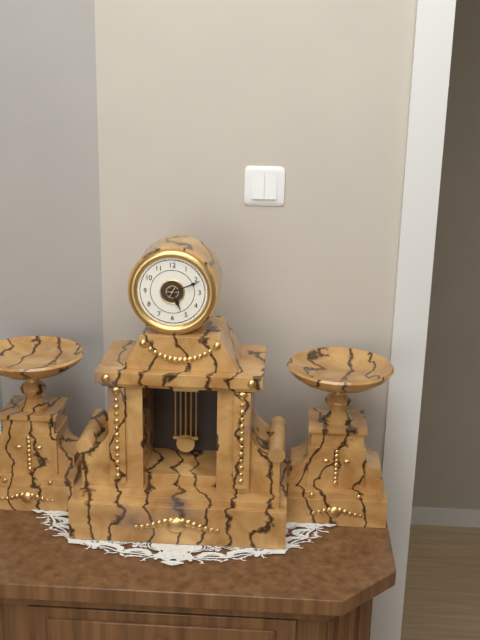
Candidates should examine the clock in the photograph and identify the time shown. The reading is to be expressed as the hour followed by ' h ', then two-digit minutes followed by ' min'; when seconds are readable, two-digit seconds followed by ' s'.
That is 5 h 11 min
